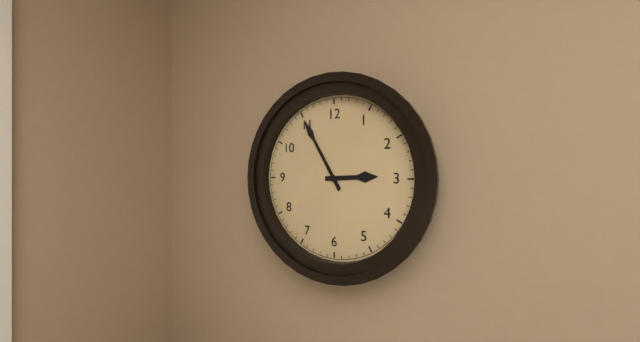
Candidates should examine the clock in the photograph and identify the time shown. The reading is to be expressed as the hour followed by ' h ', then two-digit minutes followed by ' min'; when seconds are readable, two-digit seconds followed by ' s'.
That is 2 h 55 min
